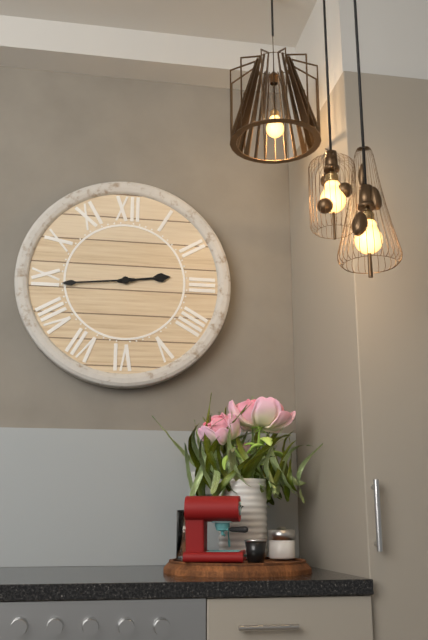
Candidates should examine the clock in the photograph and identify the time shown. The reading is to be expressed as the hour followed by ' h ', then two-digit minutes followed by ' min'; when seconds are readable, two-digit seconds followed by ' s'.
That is 2 h 44 min
